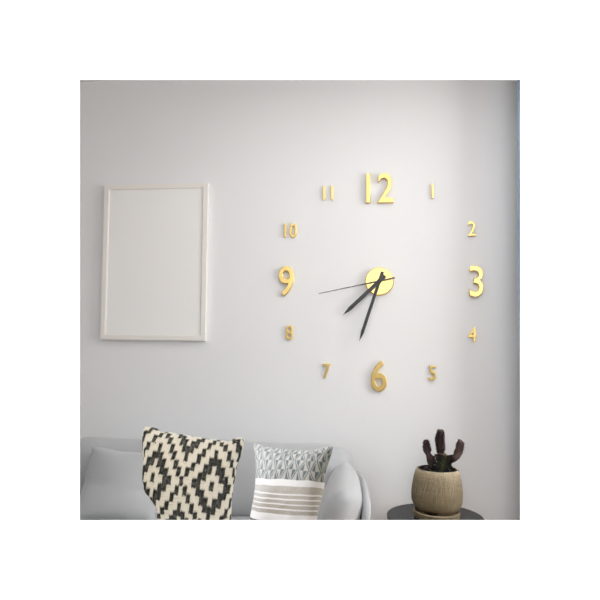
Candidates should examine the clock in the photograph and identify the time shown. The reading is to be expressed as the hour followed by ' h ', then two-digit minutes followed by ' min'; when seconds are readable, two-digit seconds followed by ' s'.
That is 7 h 33 min 43 s
